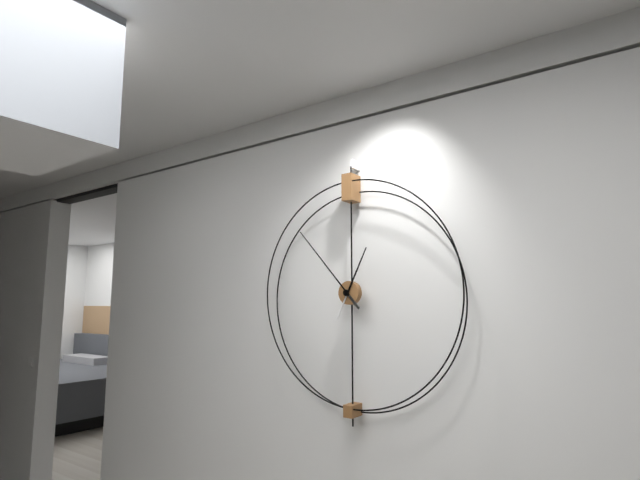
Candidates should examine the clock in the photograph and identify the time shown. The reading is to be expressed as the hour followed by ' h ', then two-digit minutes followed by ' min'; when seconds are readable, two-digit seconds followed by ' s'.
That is 12 h 53 min
